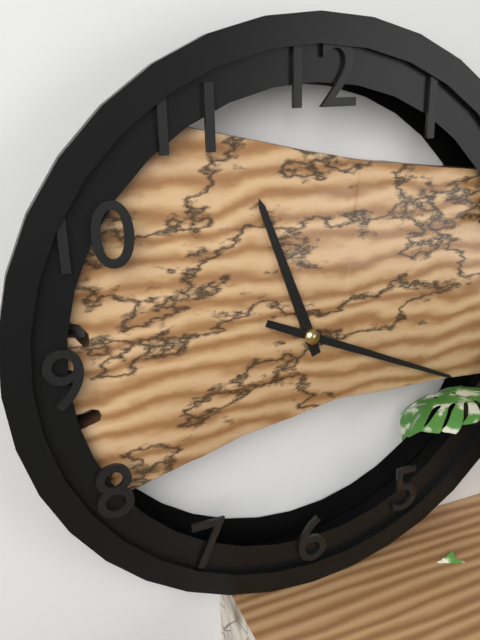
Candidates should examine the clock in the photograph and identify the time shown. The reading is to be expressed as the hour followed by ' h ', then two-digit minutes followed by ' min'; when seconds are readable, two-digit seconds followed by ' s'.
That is 11 h 19 min
